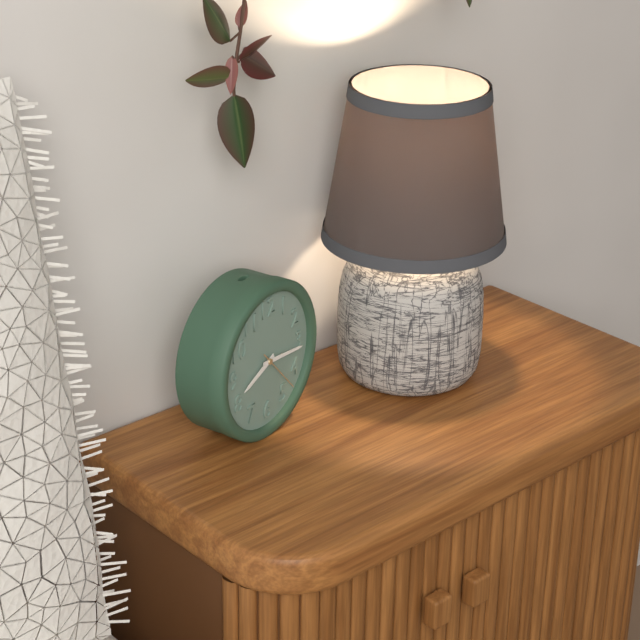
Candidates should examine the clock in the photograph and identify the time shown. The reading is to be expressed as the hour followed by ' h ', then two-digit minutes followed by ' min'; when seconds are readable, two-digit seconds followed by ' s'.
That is 8 h 16 min
